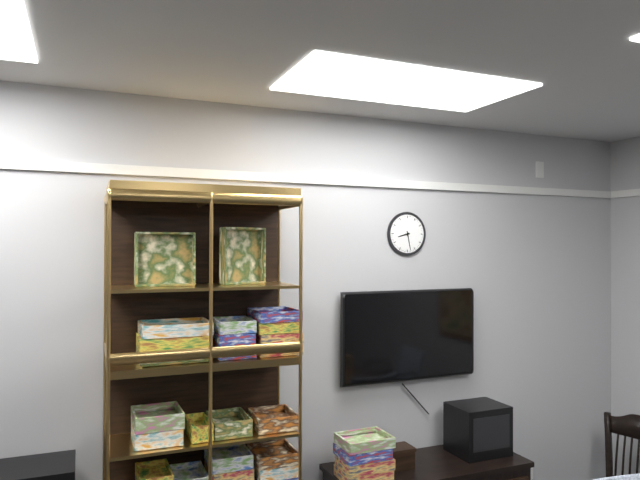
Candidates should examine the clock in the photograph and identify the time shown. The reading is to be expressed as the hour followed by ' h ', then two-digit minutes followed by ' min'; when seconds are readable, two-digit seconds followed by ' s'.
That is 8 h 28 min
